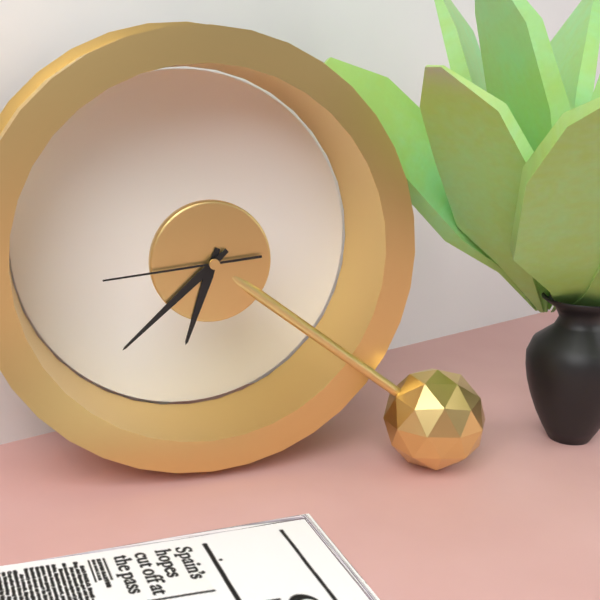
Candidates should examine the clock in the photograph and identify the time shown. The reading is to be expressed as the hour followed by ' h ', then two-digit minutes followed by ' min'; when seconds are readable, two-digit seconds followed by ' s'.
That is 6 h 38 min 44 s
